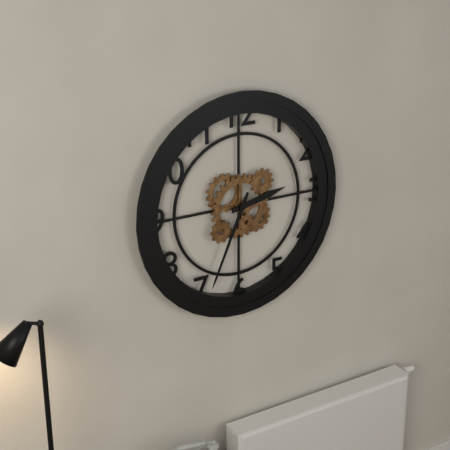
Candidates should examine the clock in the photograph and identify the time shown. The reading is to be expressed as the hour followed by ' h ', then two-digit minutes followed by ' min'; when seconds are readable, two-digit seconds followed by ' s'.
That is 2 h 34 min
